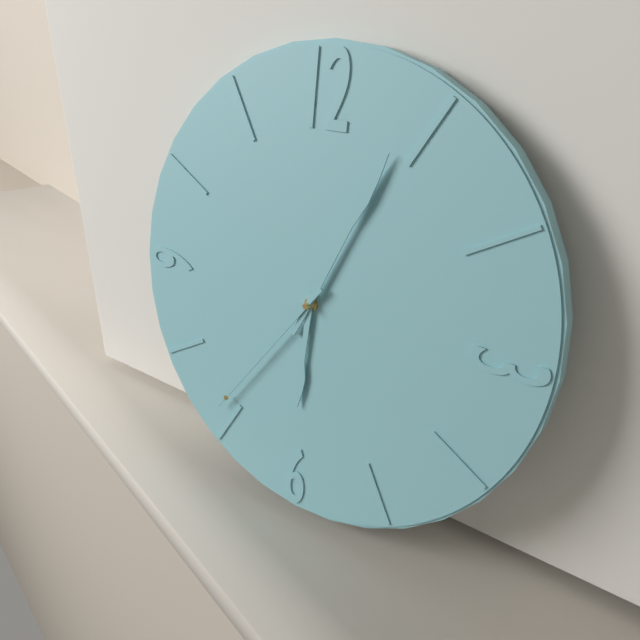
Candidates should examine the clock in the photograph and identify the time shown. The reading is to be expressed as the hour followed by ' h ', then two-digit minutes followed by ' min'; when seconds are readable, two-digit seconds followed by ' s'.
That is 6 h 04 min 36 s
